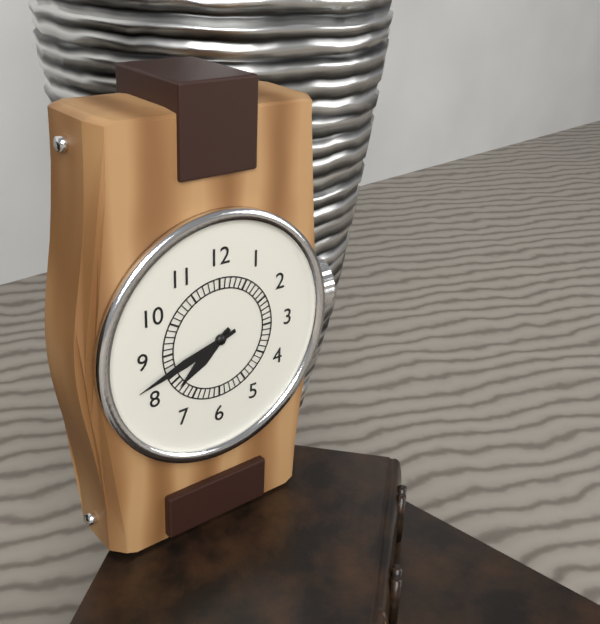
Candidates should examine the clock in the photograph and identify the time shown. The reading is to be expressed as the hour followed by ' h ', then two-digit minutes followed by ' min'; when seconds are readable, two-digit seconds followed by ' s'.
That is 7 h 42 min
